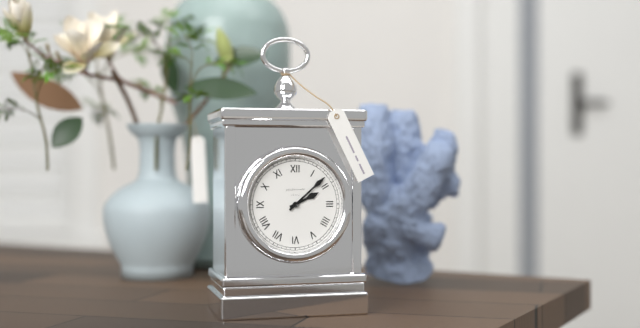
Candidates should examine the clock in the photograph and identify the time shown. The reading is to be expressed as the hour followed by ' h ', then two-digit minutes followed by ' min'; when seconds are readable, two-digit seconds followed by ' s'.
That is 2 h 08 min
